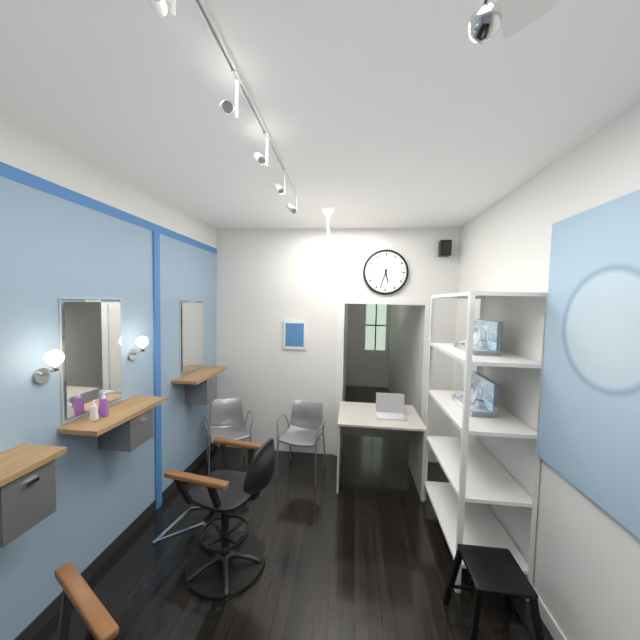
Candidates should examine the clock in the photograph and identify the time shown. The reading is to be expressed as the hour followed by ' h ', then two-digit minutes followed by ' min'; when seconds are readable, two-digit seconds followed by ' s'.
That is 5 h 33 min
